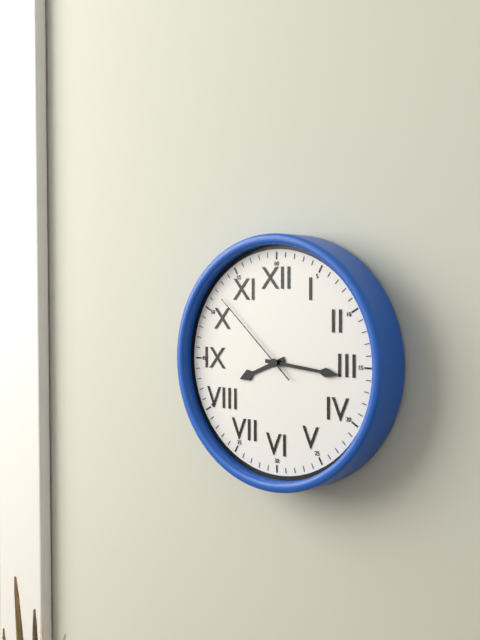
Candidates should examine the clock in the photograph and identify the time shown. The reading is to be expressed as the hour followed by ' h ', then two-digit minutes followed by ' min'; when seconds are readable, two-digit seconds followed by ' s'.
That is 8 h 16 min 52 s
